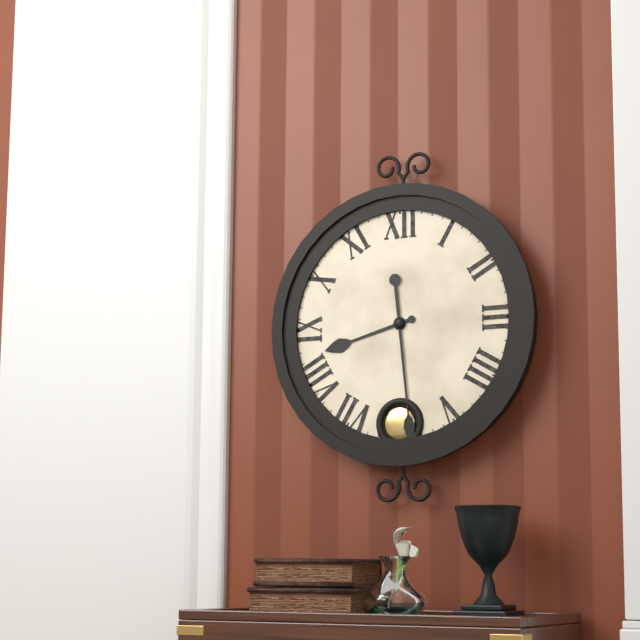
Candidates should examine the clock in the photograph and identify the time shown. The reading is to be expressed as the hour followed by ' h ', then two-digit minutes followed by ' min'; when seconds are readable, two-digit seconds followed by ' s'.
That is 8 h 29 min
